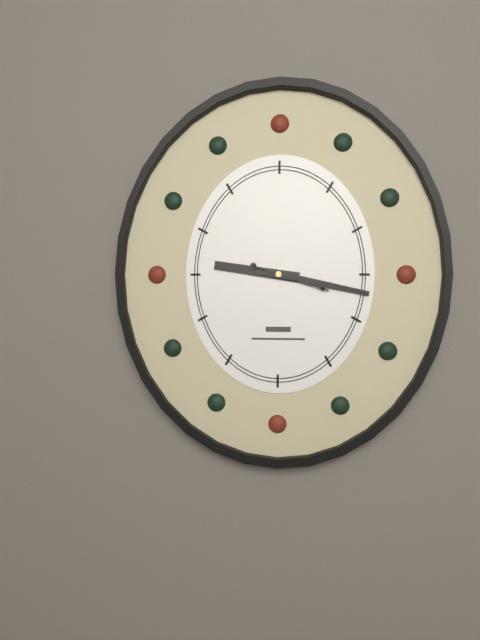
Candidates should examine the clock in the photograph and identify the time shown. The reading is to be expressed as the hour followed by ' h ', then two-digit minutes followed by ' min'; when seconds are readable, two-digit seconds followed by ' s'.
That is 9 h 17 min 18 s
